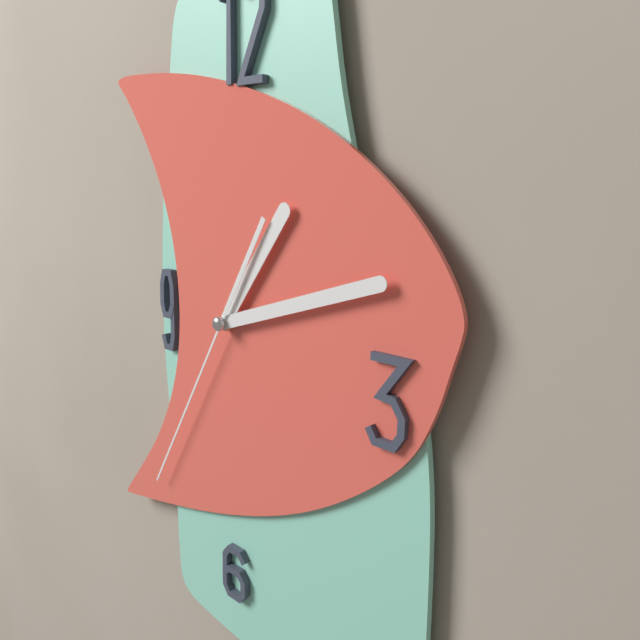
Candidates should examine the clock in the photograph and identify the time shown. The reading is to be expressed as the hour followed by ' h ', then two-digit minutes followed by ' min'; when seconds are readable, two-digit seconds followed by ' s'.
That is 1 h 12 min 35 s
